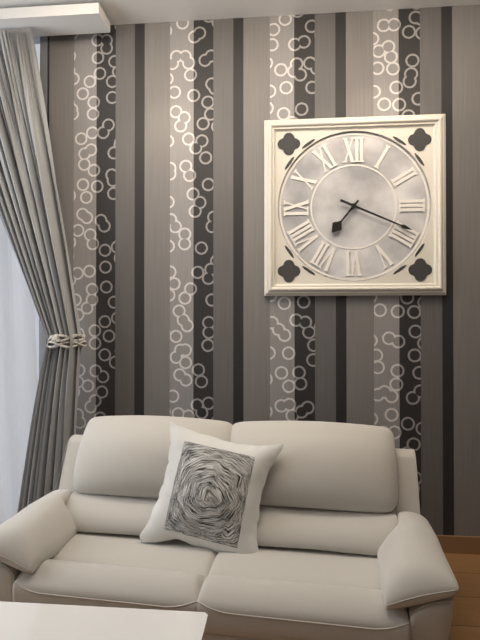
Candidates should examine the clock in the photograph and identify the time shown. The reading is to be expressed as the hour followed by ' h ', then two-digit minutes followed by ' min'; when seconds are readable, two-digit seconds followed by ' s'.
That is 7 h 19 min
